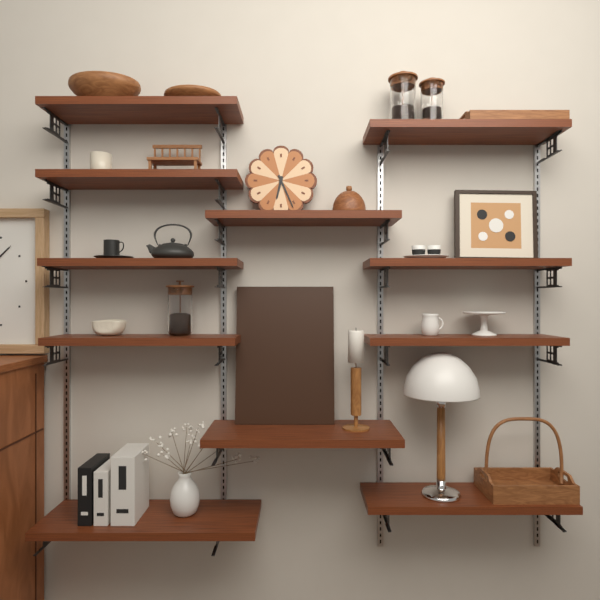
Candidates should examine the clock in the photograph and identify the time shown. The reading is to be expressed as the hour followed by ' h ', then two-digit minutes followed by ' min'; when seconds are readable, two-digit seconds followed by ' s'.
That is 6 h 26 min
